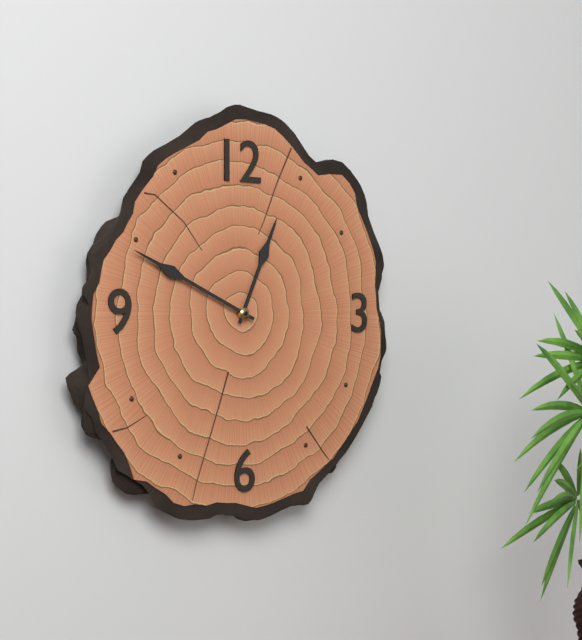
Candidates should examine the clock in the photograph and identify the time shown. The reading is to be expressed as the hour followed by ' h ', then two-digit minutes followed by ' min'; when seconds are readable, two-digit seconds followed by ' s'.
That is 12 h 49 min
